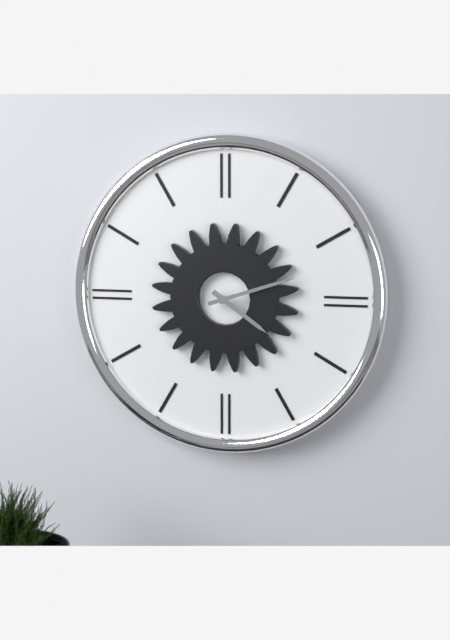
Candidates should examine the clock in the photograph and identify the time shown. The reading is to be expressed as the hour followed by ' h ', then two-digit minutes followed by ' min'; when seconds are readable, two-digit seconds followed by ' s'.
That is 4 h 12 min
